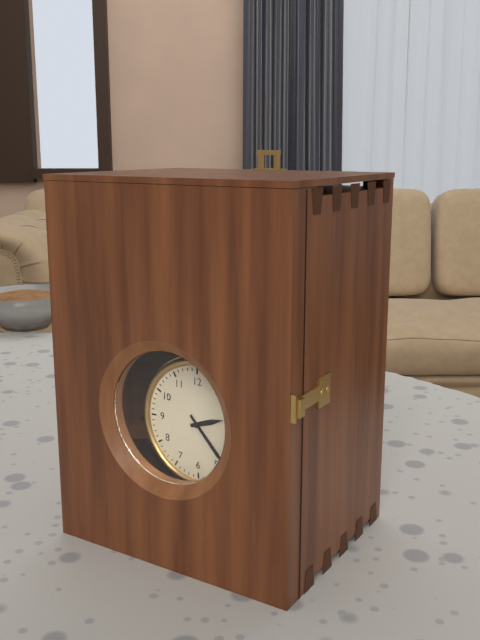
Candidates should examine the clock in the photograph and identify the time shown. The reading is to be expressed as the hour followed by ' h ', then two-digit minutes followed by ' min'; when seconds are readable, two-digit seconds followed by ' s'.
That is 2 h 23 min
